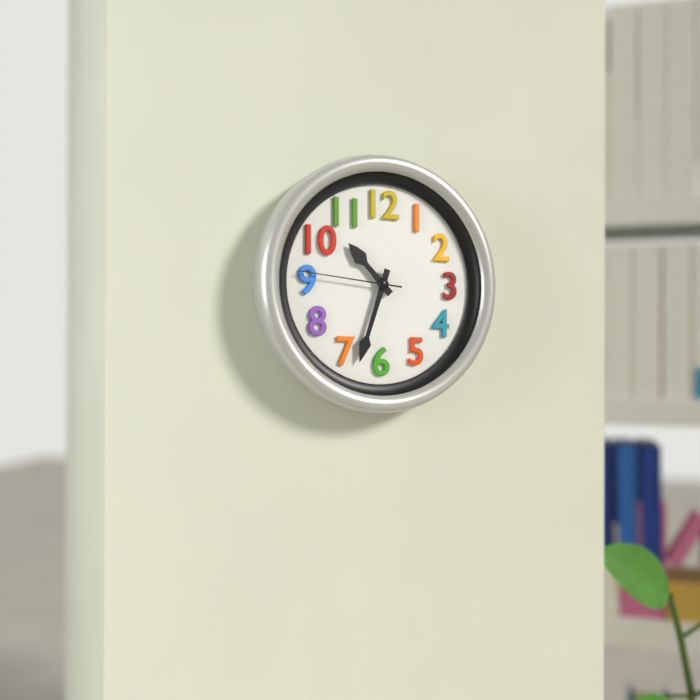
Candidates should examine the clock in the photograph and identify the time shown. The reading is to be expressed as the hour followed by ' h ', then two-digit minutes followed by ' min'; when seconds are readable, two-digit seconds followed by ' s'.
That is 10 h 33 min 46 s
